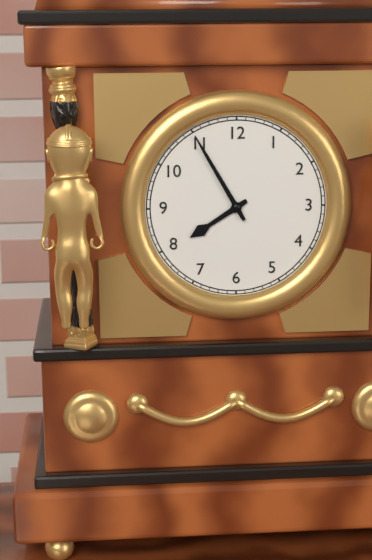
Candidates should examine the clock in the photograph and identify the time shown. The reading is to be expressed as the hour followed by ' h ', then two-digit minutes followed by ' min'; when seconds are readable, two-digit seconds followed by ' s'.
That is 7 h 55 min
